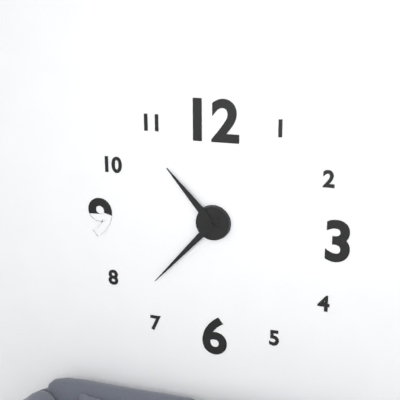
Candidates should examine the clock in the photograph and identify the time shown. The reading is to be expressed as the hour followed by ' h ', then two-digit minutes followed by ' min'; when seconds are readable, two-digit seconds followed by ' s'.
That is 10 h 37 min
